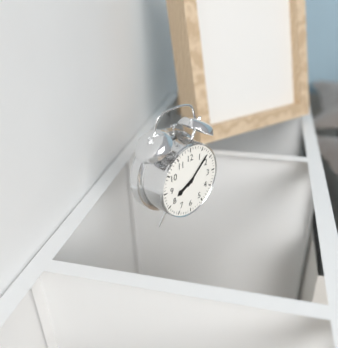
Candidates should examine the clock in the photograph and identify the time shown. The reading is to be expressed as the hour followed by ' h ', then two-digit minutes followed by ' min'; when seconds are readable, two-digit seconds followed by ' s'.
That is 8 h 08 min
